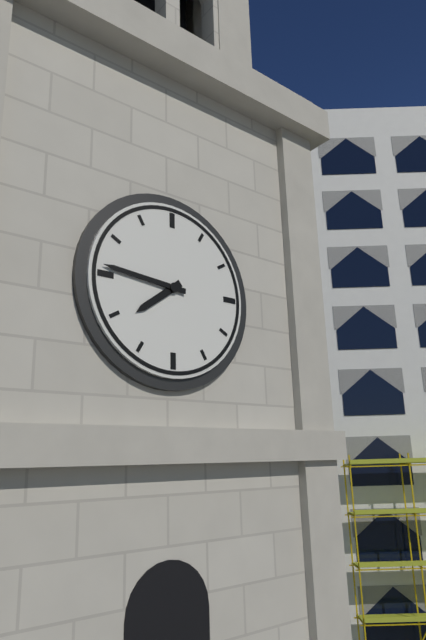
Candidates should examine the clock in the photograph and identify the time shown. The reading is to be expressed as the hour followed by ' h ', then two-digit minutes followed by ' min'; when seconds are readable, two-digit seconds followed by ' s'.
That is 7 h 46 min
